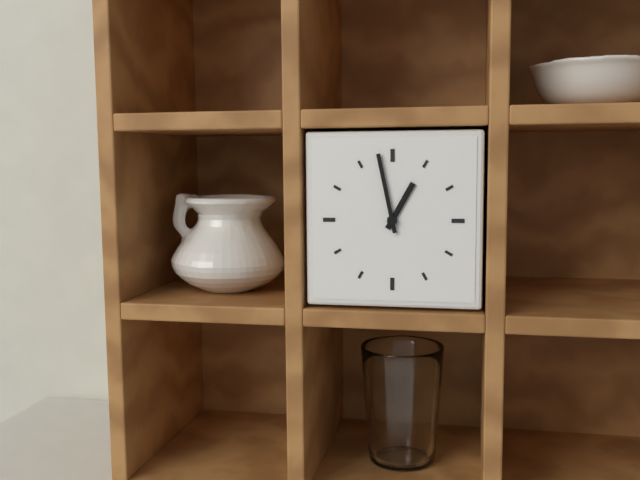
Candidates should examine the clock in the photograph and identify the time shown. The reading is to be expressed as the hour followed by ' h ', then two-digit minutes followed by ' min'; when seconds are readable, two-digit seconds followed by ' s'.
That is 12 h 58 min
